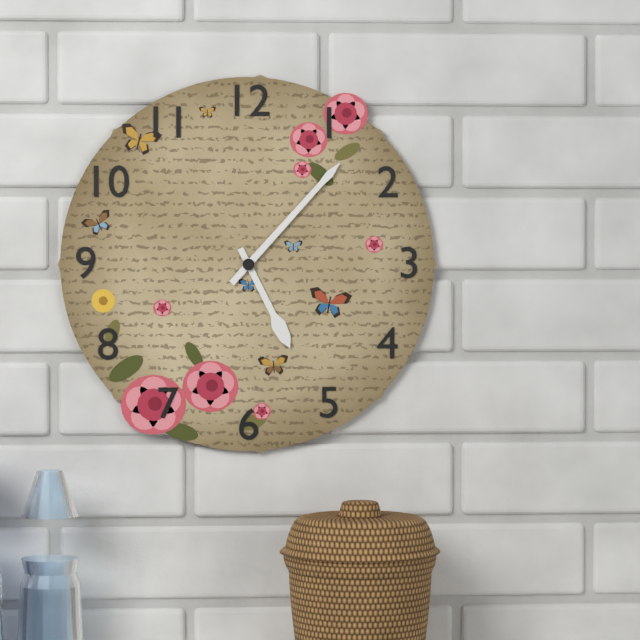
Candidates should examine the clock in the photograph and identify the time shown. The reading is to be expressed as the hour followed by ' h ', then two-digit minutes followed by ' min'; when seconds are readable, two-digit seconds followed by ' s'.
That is 5 h 07 min
